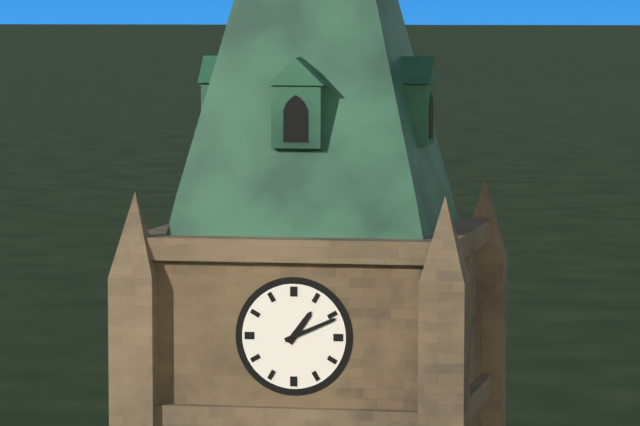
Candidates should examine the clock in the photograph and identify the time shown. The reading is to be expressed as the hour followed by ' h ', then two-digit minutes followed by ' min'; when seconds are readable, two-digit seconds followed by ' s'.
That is 1 h 11 min
